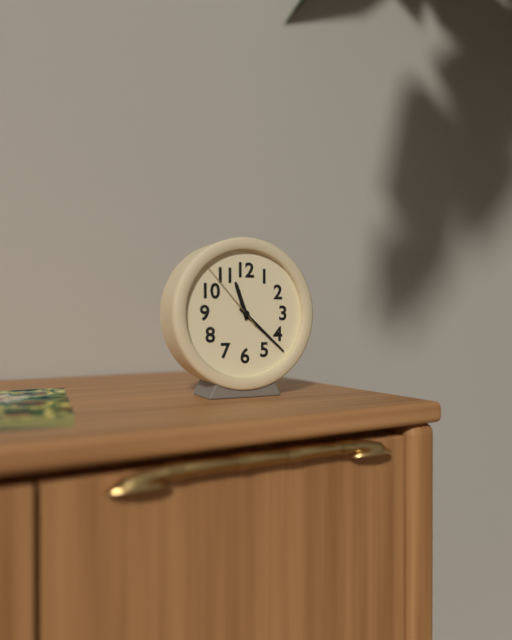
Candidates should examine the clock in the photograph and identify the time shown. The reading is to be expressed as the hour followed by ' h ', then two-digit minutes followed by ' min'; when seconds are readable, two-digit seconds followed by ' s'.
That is 11 h 22 min 53 s
